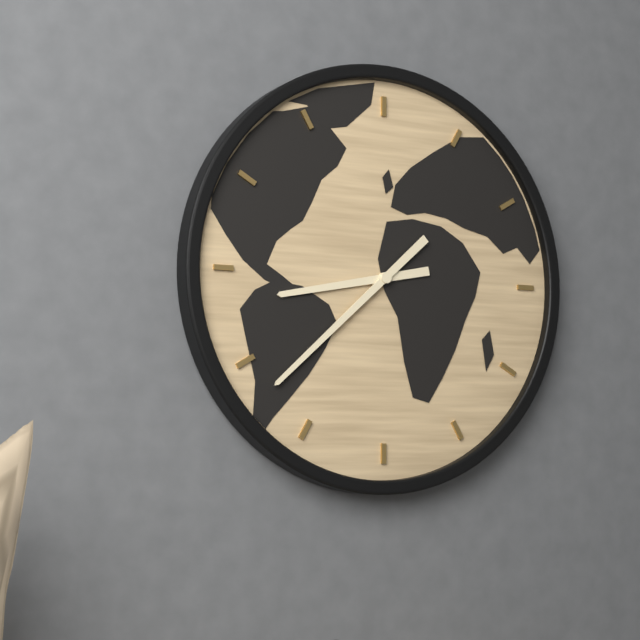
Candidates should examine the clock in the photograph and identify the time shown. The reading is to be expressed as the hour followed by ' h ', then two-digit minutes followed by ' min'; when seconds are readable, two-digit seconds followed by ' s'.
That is 8 h 38 min
